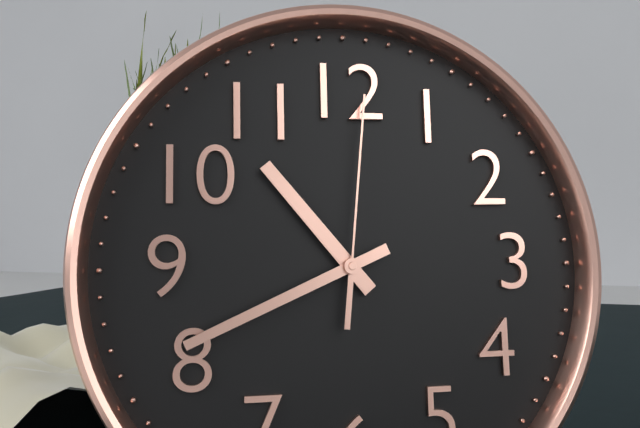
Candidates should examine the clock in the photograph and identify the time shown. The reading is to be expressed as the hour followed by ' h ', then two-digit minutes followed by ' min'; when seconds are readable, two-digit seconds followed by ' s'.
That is 10 h 41 min 01 s
